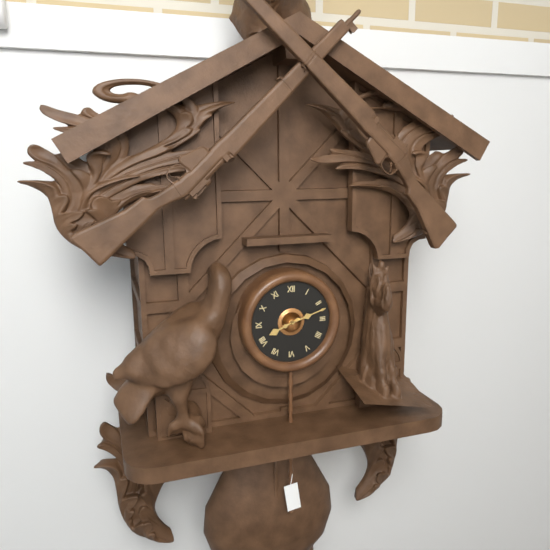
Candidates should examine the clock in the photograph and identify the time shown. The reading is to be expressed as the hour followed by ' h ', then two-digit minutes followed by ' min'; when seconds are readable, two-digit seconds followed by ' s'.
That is 8 h 12 min
